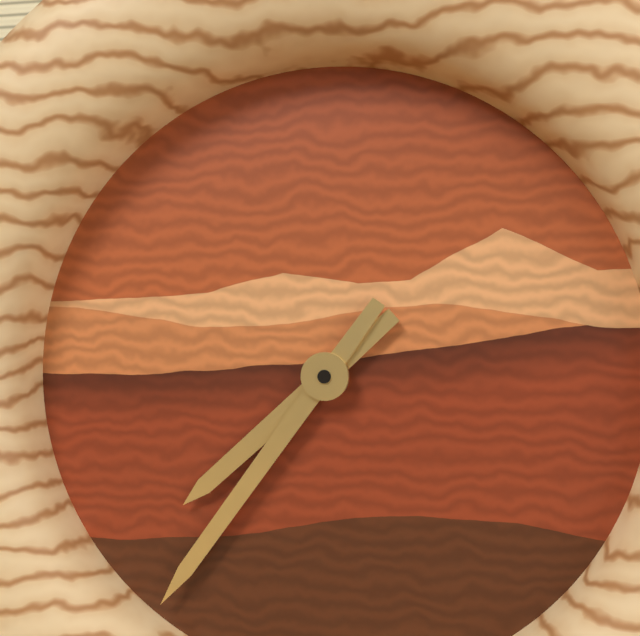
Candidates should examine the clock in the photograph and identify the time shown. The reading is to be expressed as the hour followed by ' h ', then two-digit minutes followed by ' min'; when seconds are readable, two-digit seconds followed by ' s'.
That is 7 h 36 min
